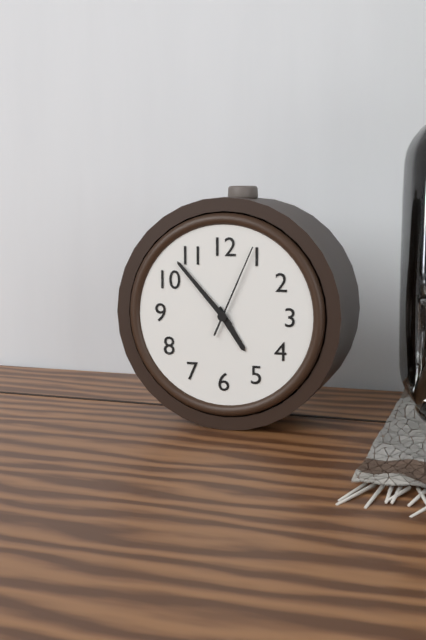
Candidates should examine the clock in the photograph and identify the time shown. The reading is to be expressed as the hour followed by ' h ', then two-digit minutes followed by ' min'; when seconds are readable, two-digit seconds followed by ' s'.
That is 4 h 53 min 04 s
